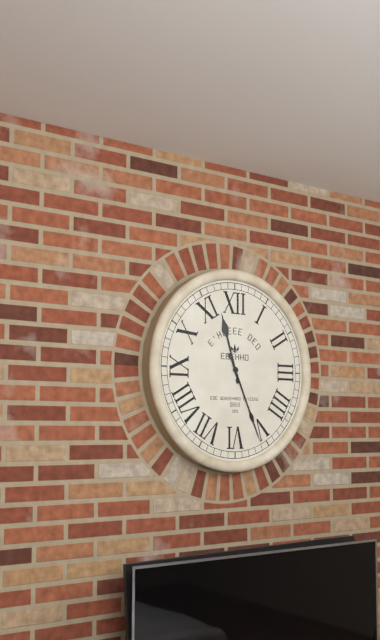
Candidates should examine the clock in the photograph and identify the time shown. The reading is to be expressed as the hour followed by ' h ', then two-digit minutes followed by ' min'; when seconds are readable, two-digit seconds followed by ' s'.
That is 11 h 26 min
